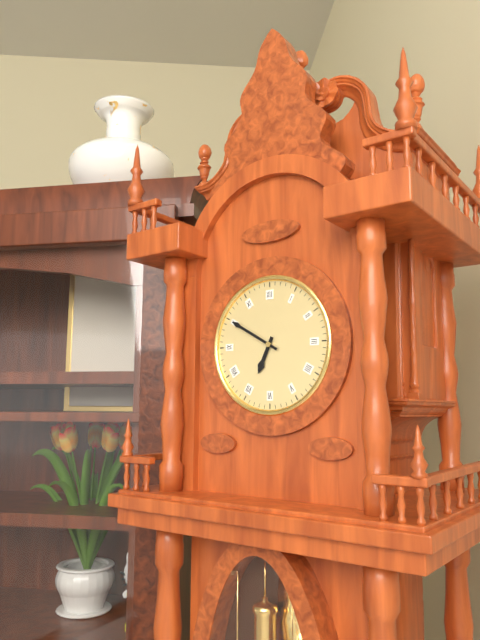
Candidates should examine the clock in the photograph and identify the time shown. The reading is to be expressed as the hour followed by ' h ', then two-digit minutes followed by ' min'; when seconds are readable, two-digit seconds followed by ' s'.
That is 6 h 50 min
